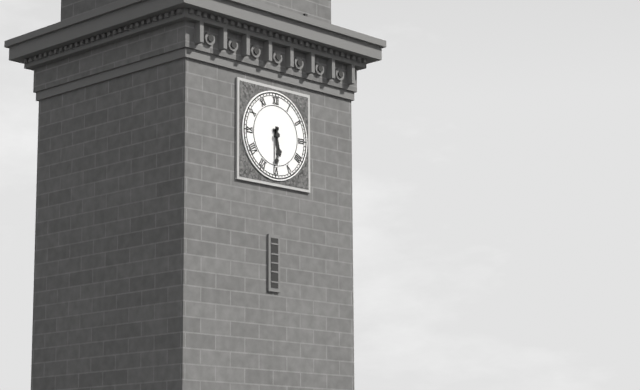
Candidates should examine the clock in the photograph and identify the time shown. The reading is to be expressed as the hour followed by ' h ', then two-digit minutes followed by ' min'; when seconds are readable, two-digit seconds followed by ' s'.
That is 5 h 30 min
